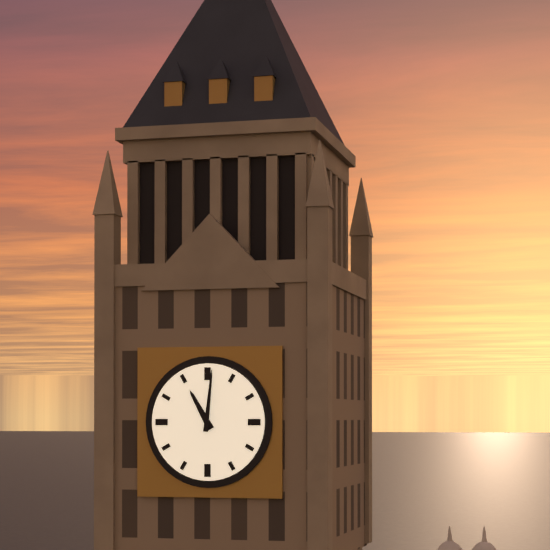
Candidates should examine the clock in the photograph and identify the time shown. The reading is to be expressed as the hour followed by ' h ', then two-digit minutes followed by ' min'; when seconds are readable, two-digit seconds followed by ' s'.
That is 11 h 01 min
